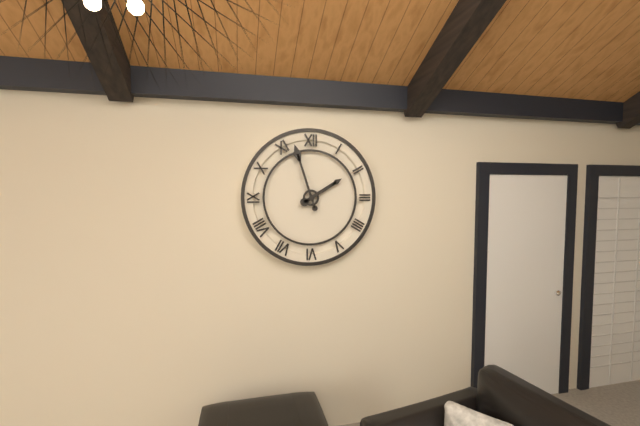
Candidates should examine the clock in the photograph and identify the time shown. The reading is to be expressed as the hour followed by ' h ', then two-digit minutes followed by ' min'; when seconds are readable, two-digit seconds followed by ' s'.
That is 1 h 57 min
